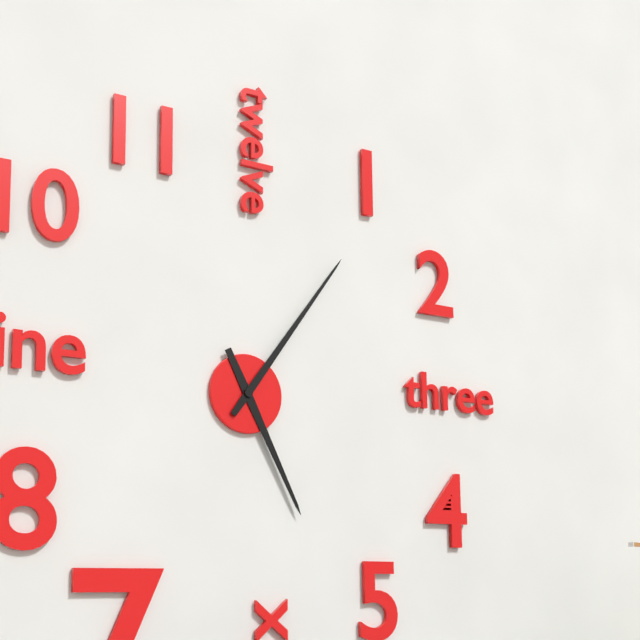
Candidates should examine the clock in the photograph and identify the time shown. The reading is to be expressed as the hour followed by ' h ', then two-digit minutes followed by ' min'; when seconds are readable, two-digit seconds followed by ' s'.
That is 5 h 06 min
